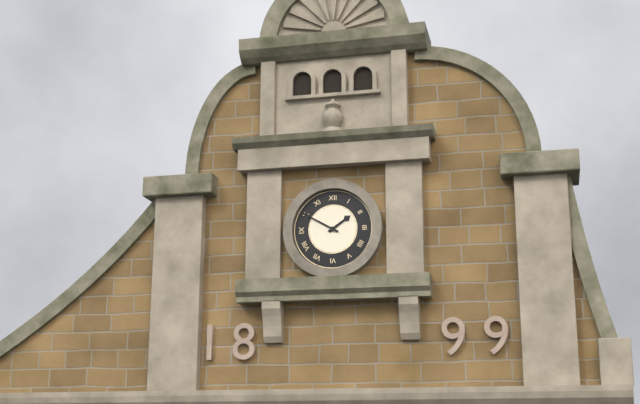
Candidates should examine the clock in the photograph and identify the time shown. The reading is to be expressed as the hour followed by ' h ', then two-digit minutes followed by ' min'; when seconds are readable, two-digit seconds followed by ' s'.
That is 1 h 50 min
